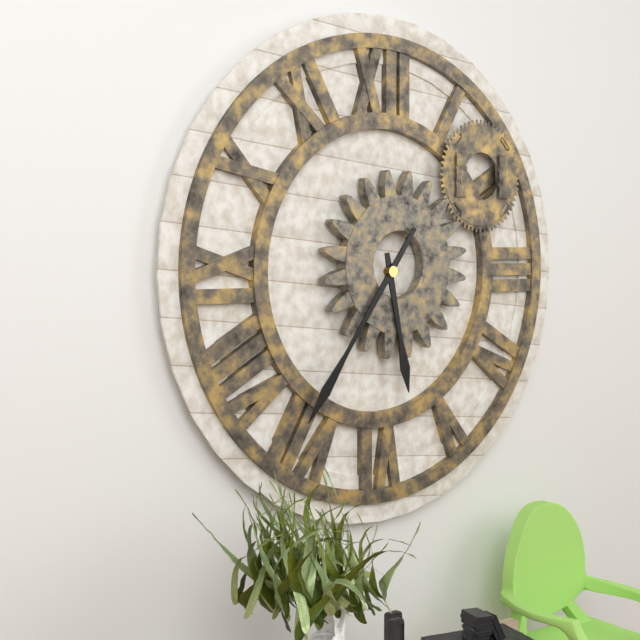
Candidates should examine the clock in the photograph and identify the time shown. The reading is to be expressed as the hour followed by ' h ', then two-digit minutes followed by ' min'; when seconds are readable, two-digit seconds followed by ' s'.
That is 5 h 36 min
